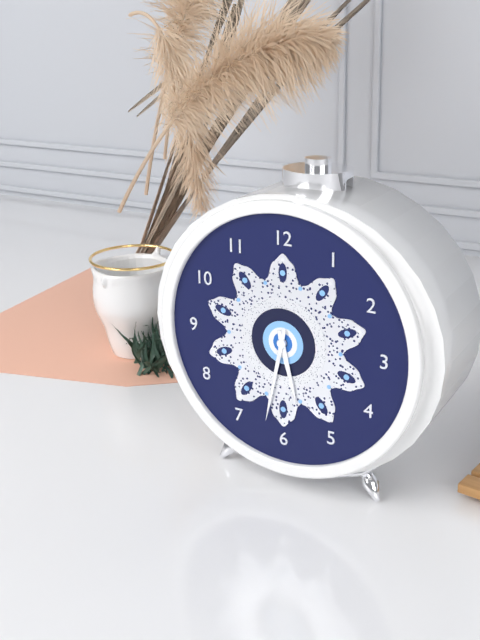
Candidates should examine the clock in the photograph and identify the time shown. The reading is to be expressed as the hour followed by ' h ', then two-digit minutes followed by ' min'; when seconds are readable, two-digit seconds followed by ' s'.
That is 5 h 32 min
